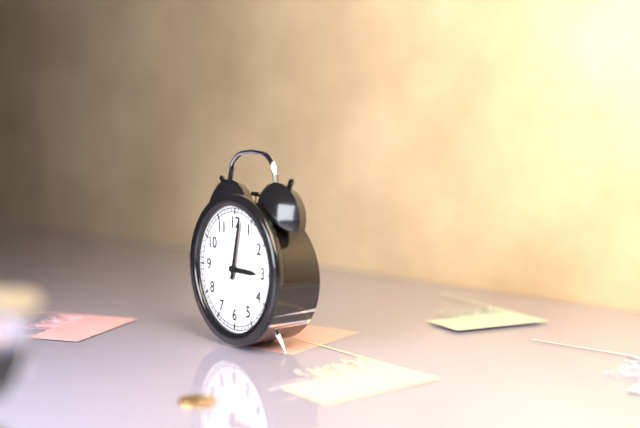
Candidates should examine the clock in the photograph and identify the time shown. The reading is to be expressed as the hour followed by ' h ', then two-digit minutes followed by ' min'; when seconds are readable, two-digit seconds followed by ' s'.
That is 3 h 02 min
